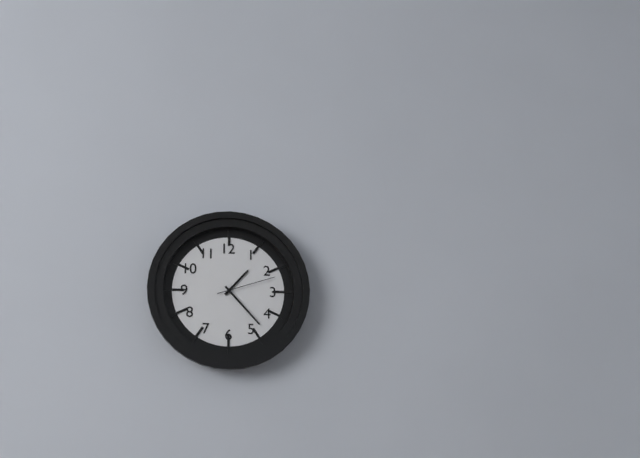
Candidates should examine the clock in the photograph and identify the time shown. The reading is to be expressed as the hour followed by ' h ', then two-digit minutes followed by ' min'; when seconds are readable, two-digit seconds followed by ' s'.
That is 1 h 23 min 12 s
